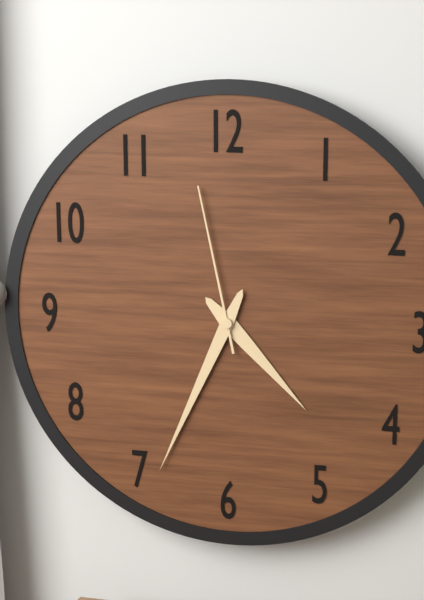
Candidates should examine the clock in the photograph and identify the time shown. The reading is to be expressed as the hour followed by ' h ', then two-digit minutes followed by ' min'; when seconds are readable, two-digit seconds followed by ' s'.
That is 4 h 34 min 58 s
